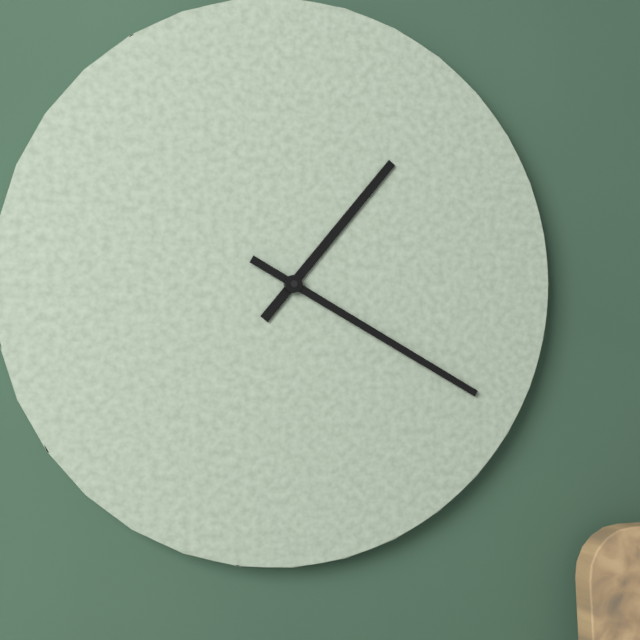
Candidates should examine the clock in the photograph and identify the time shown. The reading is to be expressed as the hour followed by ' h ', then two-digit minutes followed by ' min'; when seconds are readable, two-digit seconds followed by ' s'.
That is 1 h 20 min
